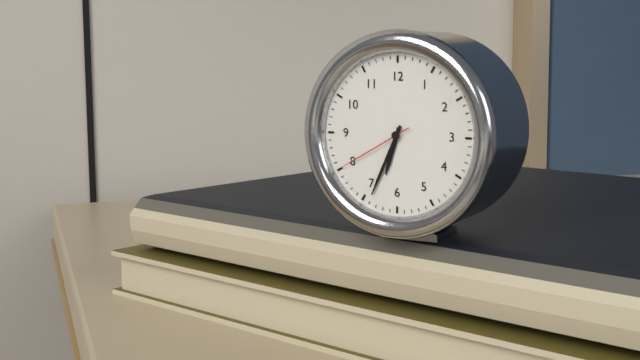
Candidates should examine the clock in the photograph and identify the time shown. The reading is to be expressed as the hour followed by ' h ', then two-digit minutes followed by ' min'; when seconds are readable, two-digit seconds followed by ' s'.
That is 6 h 34 min 40 s
